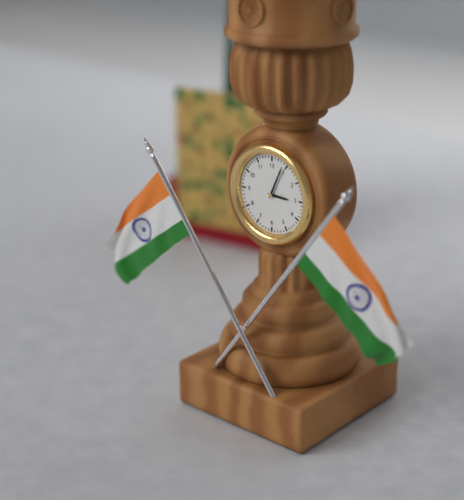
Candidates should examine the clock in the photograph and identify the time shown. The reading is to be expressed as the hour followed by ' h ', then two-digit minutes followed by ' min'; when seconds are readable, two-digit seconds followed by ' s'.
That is 3 h 04 min
